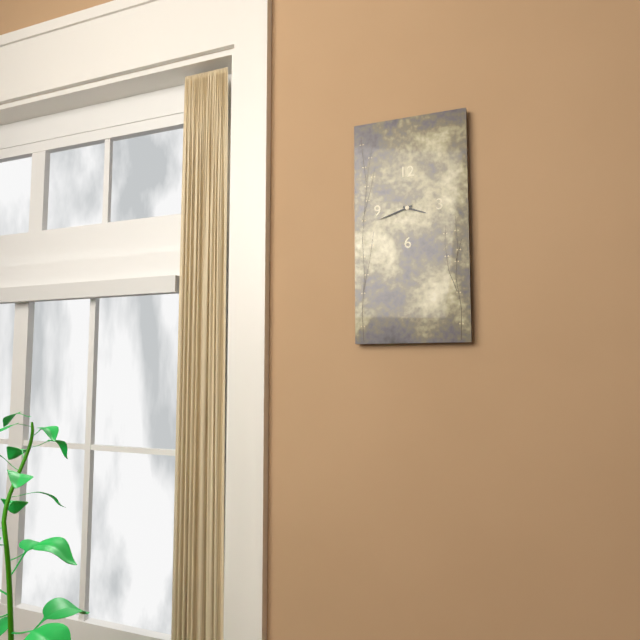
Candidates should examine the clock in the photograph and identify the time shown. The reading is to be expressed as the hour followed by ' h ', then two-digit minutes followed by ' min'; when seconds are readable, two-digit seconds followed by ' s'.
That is 3 h 42 min
